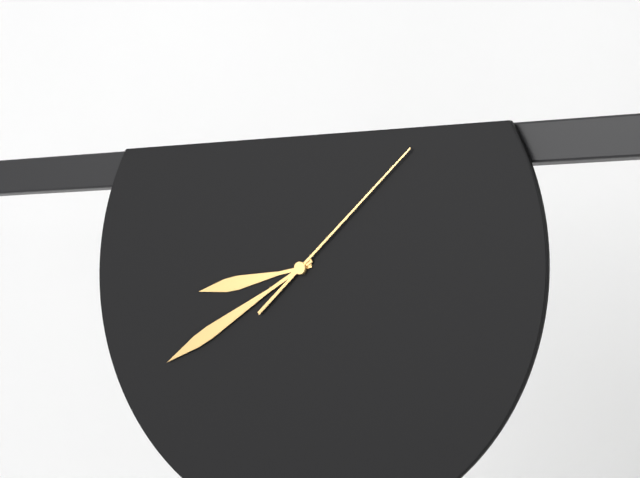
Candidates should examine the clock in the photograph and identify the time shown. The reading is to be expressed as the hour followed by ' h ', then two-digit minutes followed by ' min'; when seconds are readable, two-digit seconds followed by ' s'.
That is 8 h 40 min 08 s
